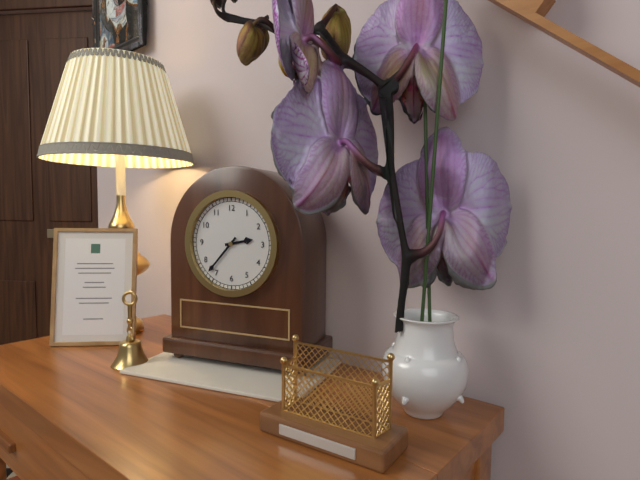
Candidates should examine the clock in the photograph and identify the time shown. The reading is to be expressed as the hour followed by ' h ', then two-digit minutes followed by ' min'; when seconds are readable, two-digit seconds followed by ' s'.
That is 2 h 37 min
